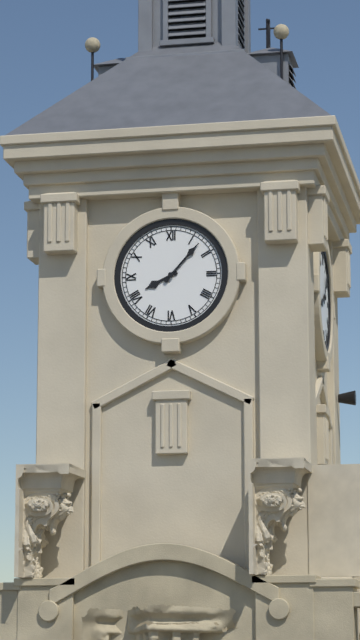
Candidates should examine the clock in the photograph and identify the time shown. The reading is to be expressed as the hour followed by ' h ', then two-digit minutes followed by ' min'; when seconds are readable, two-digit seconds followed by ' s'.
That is 8 h 07 min
